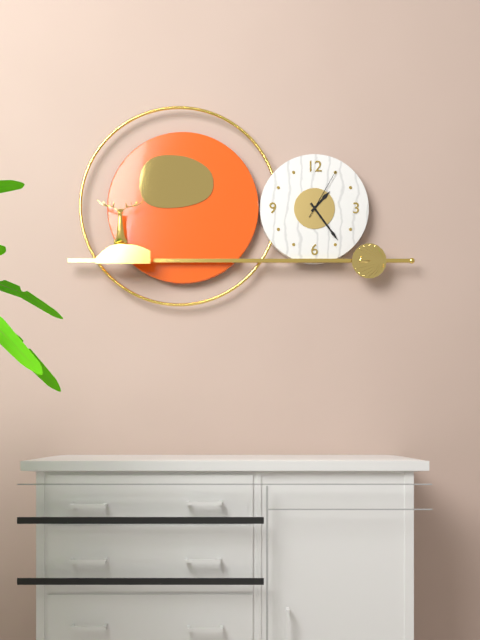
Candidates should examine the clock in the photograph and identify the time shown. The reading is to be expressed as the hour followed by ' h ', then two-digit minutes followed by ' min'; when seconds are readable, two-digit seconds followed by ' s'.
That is 1 h 24 min 05 s
